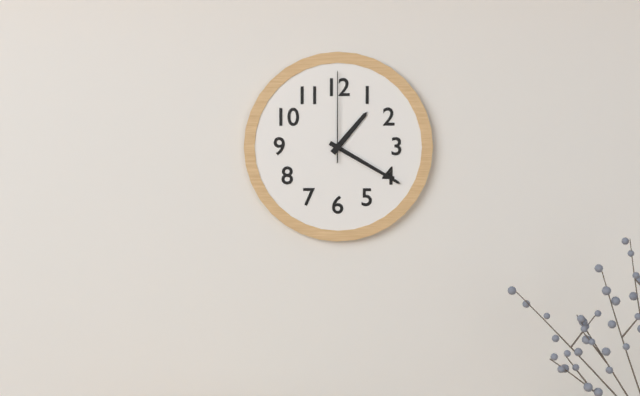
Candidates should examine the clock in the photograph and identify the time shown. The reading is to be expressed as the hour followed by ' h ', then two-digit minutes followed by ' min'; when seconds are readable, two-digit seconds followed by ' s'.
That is 1 h 20 min 00 s
